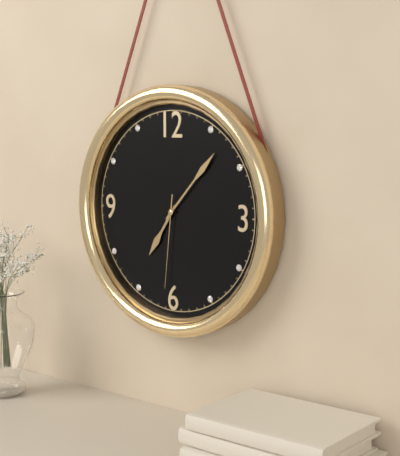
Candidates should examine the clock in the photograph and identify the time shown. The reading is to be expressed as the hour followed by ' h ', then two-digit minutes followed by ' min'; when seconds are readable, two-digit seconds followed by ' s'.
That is 7 h 07 min 31 s
